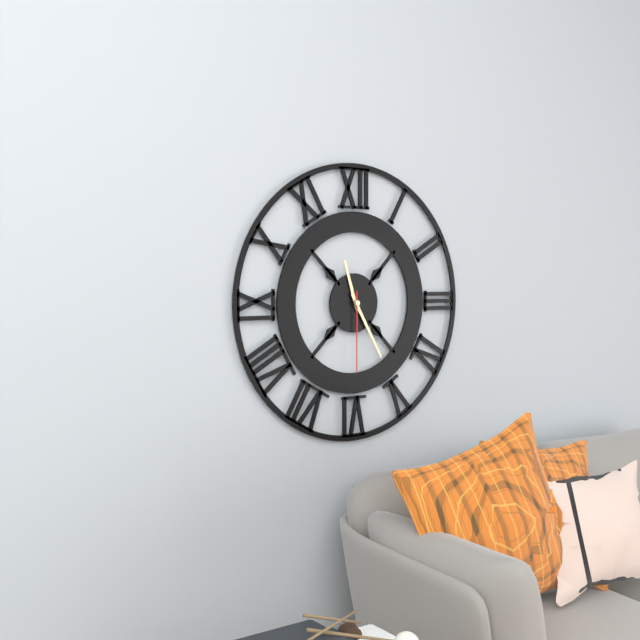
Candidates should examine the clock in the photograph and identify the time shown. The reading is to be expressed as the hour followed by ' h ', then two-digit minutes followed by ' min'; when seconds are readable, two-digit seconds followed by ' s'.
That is 11 h 25 min 30 s
